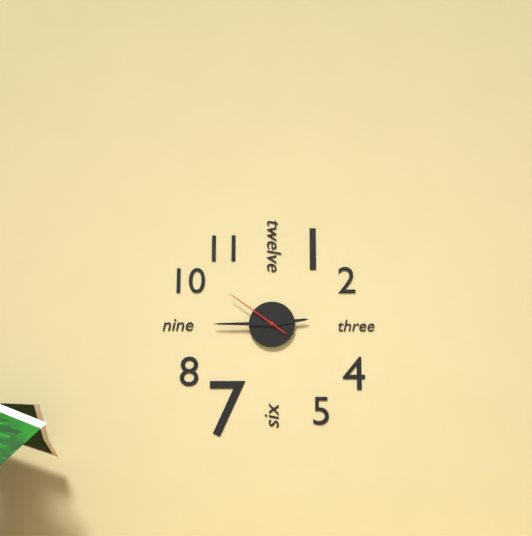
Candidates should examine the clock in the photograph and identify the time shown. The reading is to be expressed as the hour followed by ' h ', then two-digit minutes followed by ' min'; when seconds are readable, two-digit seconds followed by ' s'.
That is 2 h 45 min 51 s
